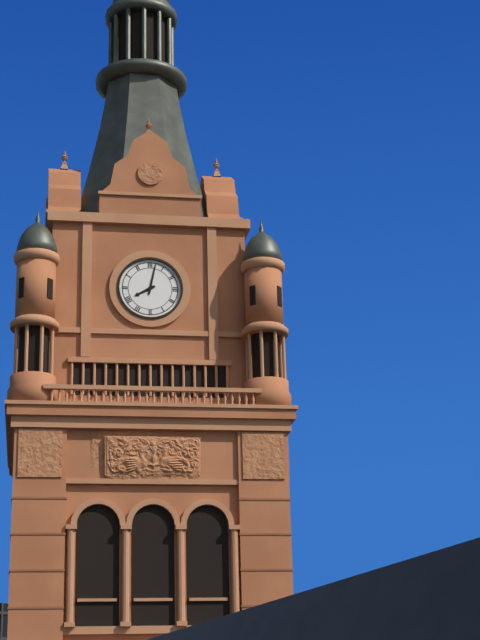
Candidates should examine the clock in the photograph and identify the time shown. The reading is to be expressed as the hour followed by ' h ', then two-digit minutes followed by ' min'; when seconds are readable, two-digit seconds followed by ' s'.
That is 8 h 02 min
